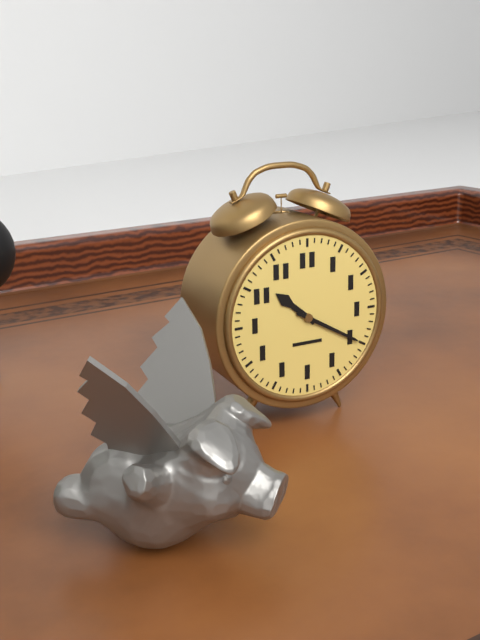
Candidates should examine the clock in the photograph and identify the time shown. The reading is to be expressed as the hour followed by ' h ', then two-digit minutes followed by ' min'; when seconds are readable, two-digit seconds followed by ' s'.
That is 10 h 20 min
